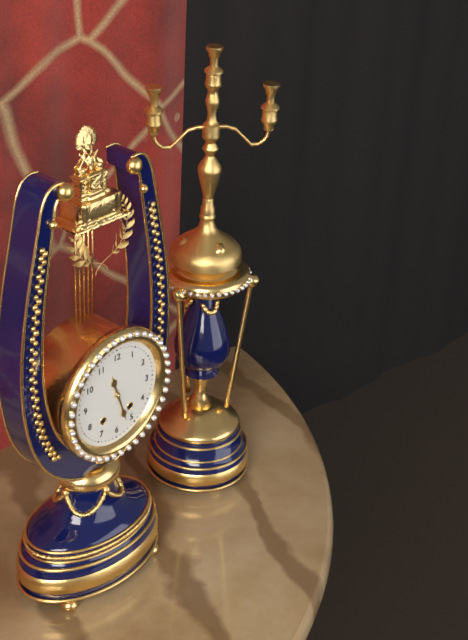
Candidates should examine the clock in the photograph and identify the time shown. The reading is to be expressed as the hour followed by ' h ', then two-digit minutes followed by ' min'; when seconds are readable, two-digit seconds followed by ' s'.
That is 11 h 27 min
